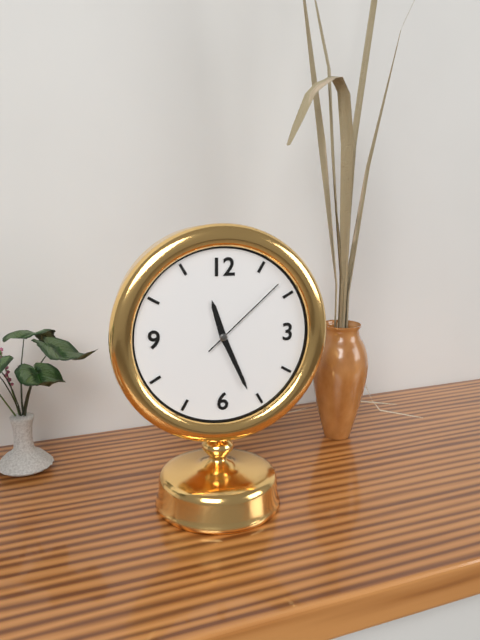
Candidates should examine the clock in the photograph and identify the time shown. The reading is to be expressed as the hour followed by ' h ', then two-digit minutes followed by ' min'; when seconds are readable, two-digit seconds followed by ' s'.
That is 11 h 26 min 08 s
